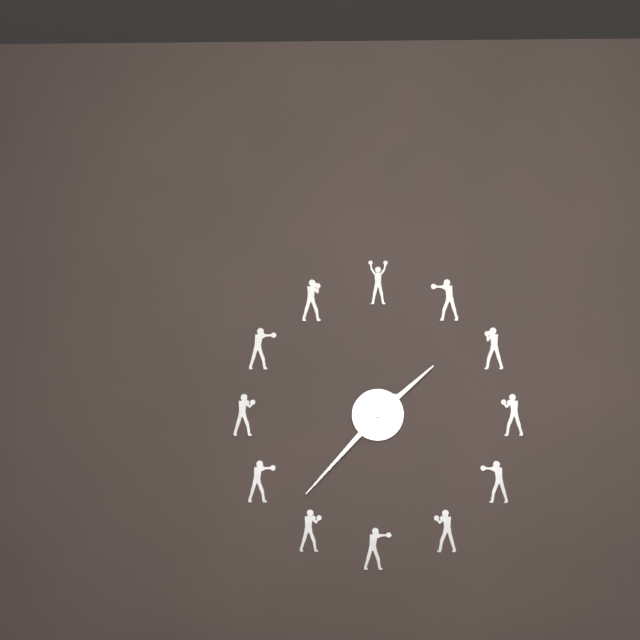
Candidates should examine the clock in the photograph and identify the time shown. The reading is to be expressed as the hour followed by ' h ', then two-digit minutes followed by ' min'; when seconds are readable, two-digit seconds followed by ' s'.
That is 1 h 37 min
